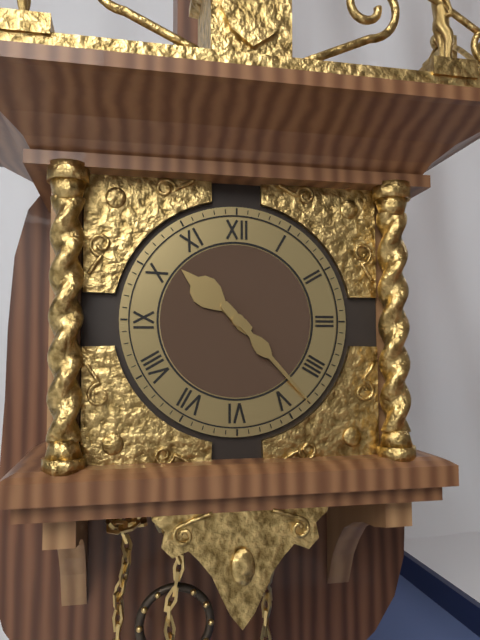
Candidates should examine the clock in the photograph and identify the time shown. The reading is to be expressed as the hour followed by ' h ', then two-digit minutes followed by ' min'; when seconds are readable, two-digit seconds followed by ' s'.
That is 10 h 23 min
